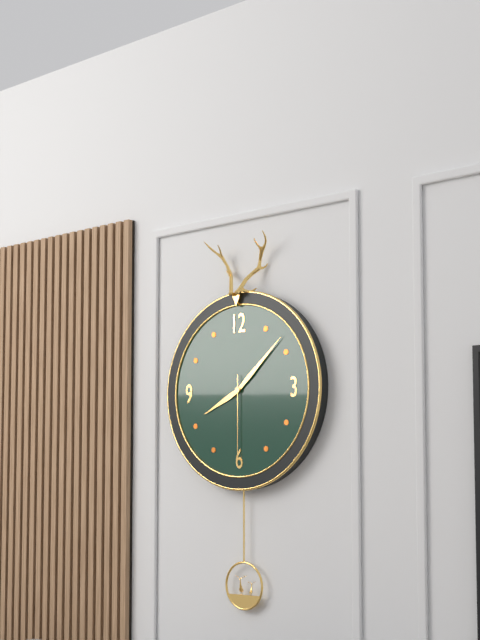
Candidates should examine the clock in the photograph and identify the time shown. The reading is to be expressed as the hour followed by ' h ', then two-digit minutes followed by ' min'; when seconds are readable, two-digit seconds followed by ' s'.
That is 8 h 08 min 30 s
